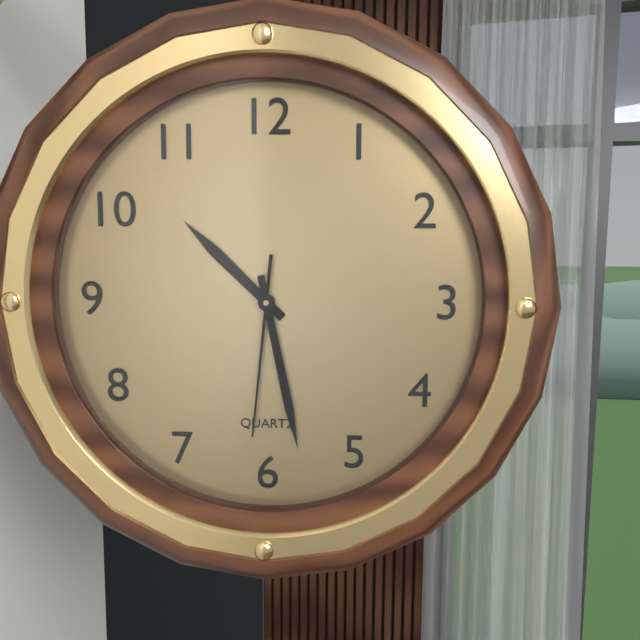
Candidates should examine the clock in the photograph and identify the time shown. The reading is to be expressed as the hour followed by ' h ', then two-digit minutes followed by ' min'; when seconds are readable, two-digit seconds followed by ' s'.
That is 10 h 28 min 31 s
